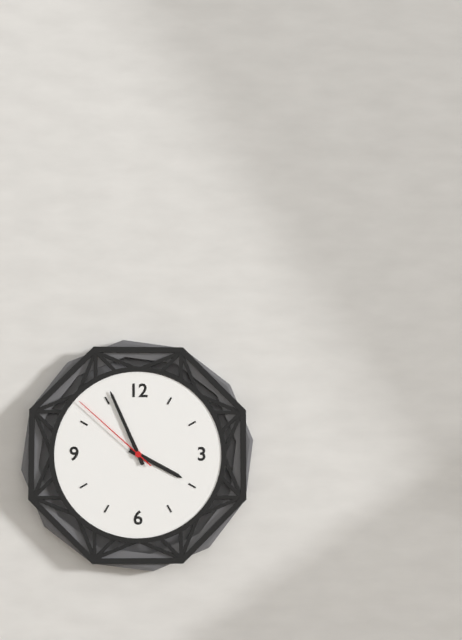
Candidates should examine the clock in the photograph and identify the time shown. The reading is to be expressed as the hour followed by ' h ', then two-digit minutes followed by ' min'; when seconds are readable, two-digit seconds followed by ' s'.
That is 3 h 56 min 52 s
